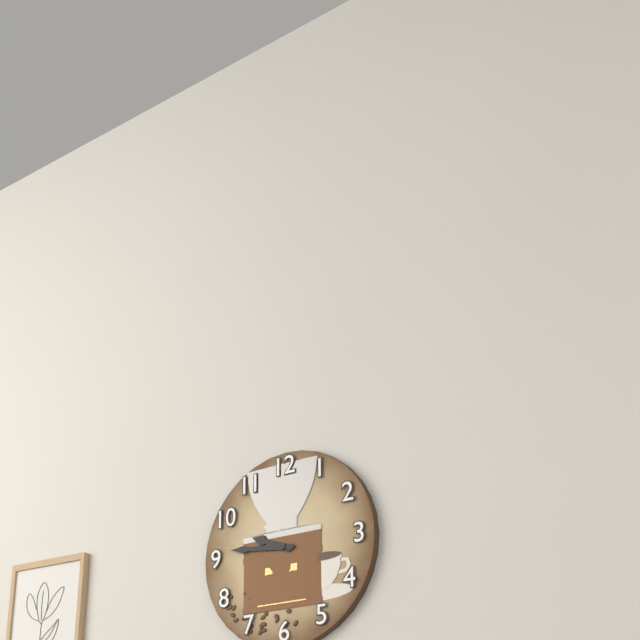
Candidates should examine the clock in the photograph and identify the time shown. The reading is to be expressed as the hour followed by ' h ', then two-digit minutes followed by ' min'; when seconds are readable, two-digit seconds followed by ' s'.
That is 9 h 46 min
